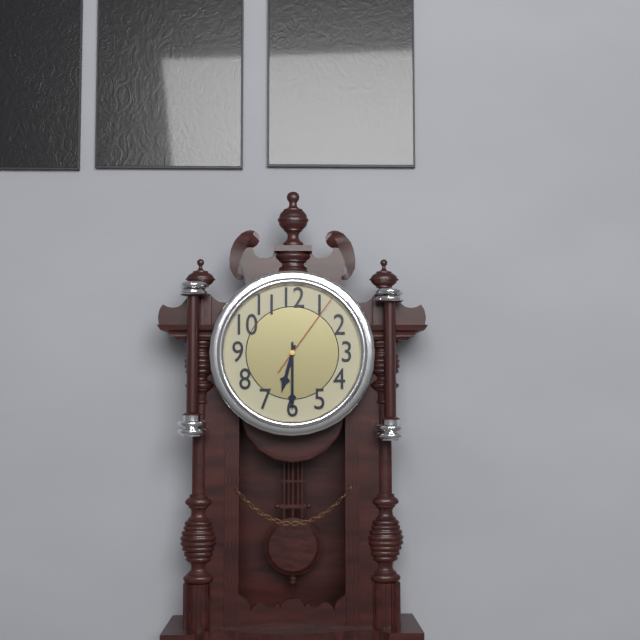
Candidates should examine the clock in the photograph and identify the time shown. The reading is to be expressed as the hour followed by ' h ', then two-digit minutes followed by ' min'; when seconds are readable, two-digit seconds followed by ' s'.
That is 6 h 30 min 06 s
